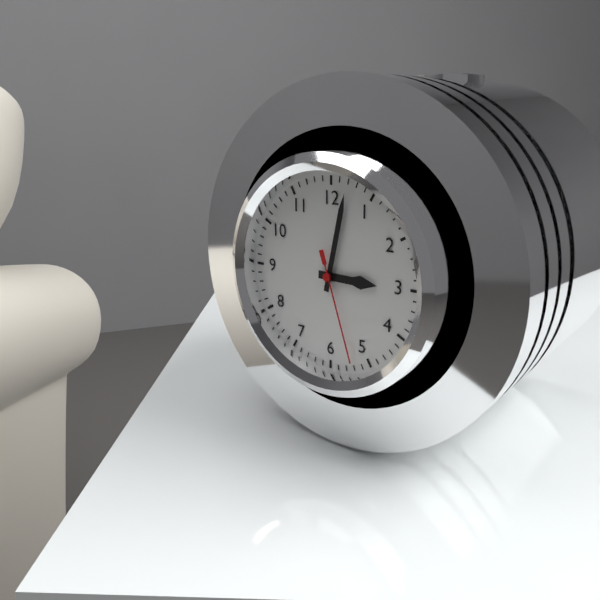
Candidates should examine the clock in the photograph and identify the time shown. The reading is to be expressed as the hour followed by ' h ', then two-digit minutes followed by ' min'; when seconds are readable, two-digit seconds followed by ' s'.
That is 3 h 02 min 27 s
